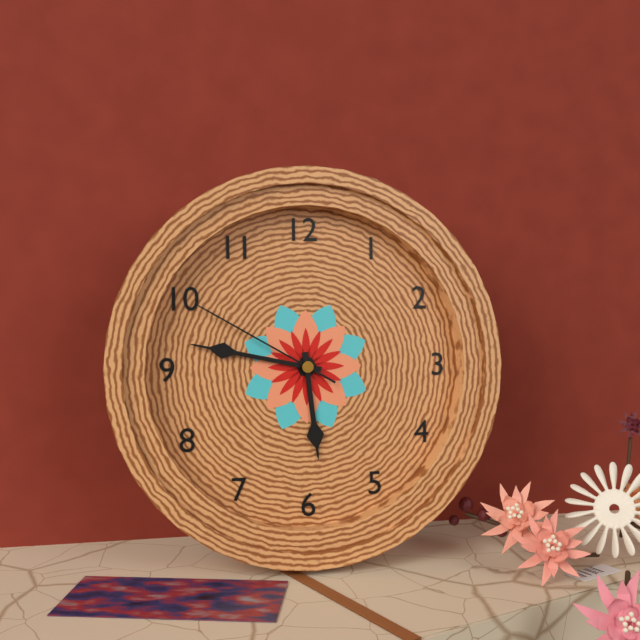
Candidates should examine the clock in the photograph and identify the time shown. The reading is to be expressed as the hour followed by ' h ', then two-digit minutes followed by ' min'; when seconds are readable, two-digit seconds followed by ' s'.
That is 5 h 47 min 50 s
